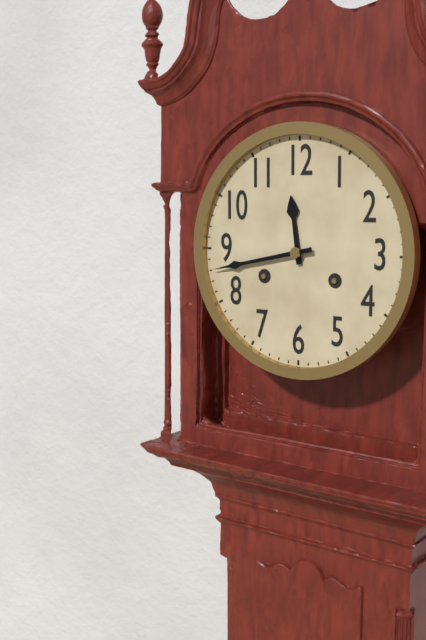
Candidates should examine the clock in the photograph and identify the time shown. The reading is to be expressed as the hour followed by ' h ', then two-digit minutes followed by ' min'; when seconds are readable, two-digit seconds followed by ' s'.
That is 11 h 43 min
